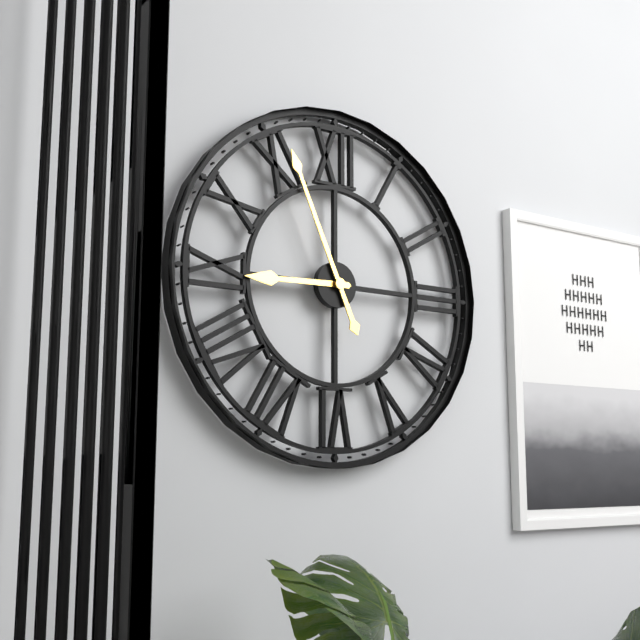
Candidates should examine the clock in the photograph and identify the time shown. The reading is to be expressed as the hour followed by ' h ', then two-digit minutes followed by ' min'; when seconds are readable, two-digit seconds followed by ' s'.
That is 8 h 56 min
